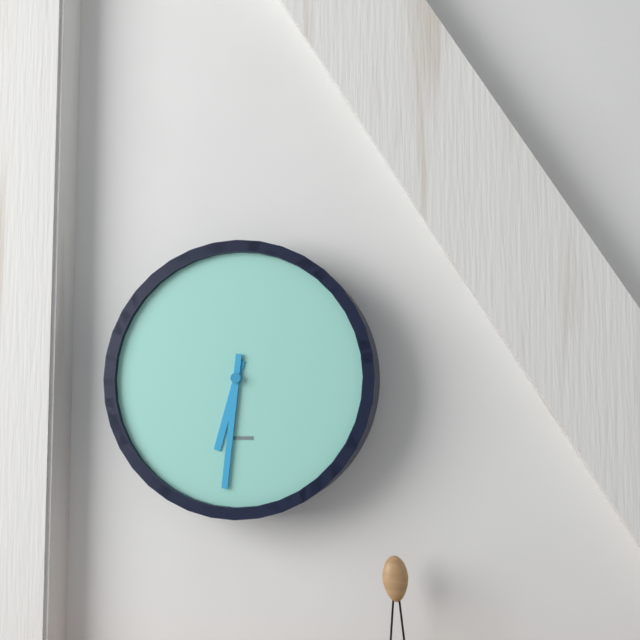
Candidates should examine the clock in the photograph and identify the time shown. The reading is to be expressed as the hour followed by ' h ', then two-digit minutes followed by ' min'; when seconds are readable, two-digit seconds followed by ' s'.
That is 6 h 31 min
